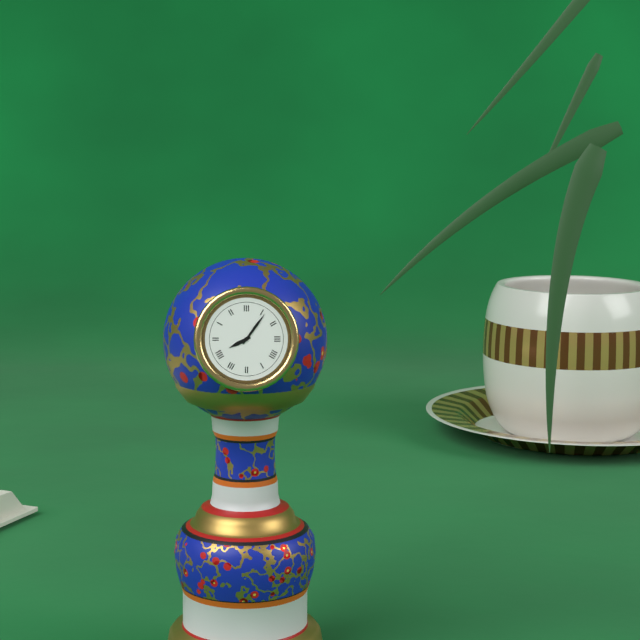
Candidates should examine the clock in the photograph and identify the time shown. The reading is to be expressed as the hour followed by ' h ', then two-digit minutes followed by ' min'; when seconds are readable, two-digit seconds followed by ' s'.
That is 8 h 06 min
